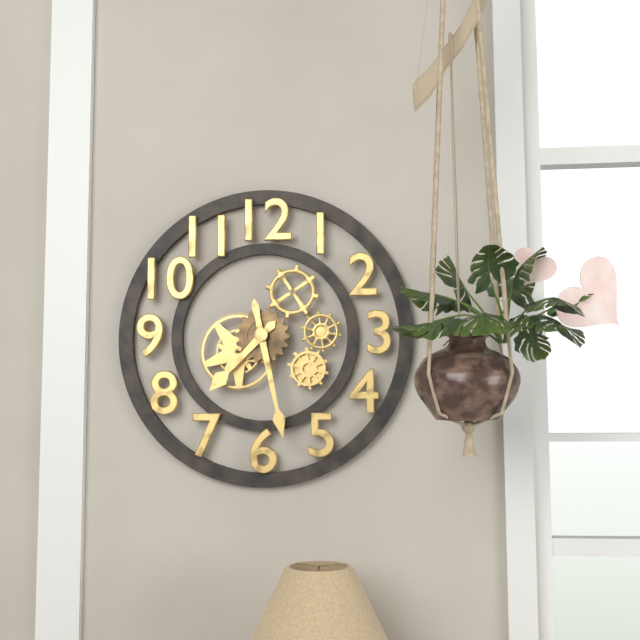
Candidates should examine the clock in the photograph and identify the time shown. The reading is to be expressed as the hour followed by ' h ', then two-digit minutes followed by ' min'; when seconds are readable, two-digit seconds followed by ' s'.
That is 7 h 28 min
